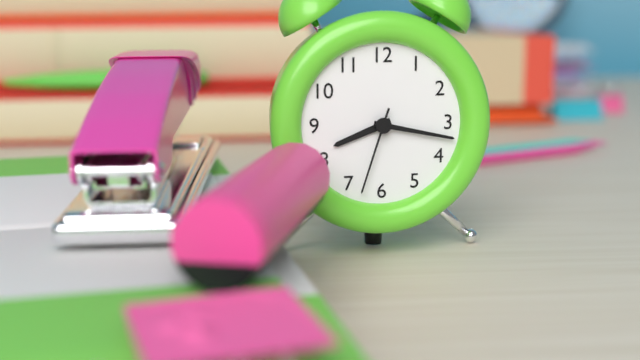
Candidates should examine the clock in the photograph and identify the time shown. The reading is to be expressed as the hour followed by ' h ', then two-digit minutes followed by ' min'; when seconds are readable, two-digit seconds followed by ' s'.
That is 8 h 17 min 33 s
